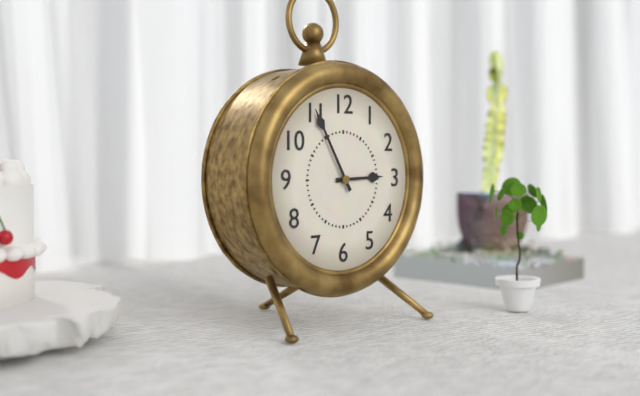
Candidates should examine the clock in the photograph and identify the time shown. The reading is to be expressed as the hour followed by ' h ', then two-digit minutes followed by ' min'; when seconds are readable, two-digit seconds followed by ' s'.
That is 2 h 55 min
